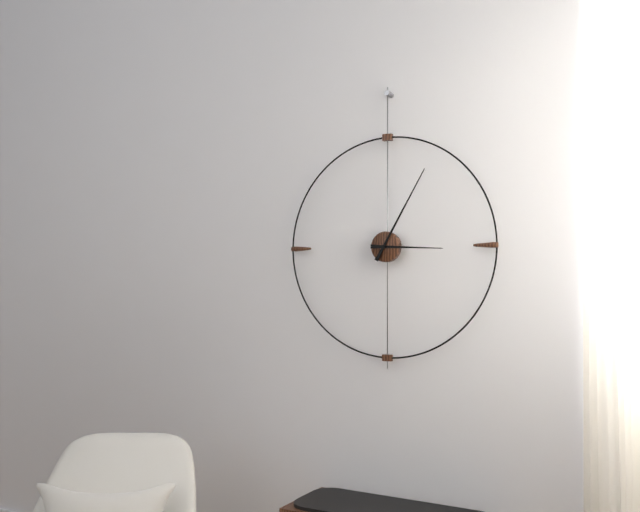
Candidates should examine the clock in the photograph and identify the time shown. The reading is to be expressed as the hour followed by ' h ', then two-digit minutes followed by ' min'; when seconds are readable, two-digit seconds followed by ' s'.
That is 3 h 05 min
